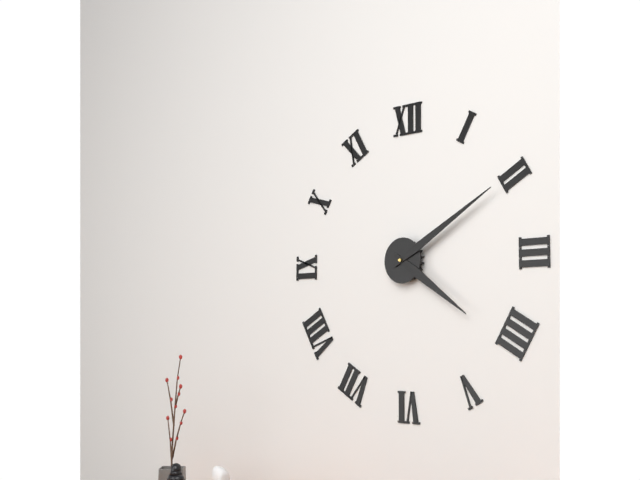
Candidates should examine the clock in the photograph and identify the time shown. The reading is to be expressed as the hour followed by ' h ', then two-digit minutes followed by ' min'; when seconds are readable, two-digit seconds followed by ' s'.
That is 4 h 10 min
